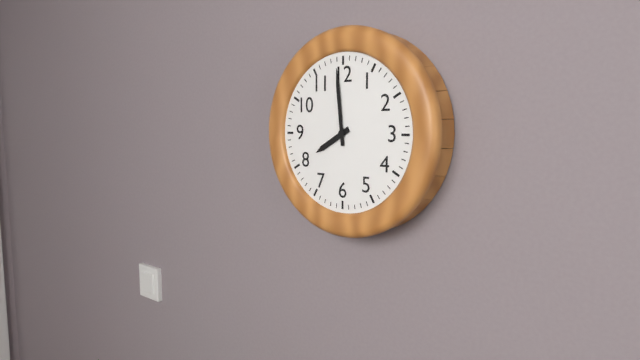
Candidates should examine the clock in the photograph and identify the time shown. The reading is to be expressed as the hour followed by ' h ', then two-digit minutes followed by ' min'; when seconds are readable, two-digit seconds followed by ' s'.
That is 7 h 59 min
